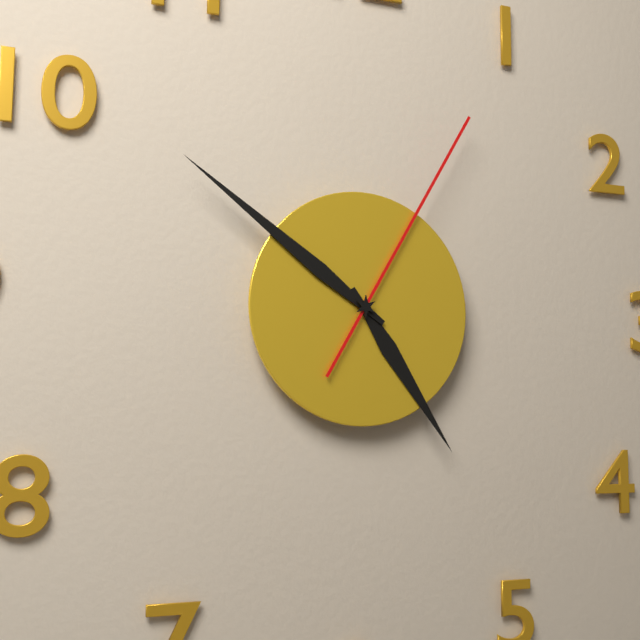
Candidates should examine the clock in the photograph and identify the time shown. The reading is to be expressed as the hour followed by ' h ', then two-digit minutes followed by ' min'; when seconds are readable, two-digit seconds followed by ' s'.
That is 4 h 51 min 05 s
